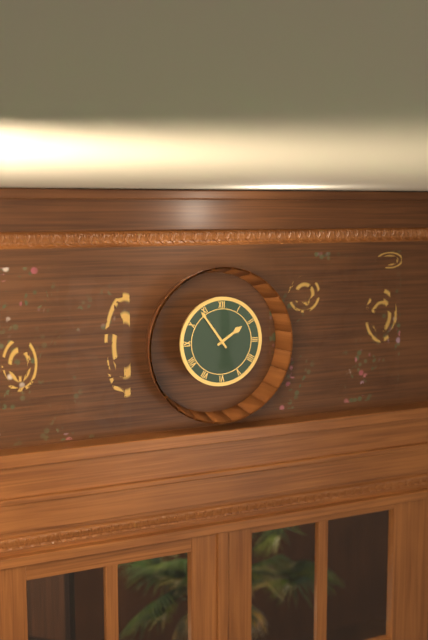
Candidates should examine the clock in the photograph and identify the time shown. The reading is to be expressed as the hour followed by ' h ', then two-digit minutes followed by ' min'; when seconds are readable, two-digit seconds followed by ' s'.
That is 1 h 54 min
